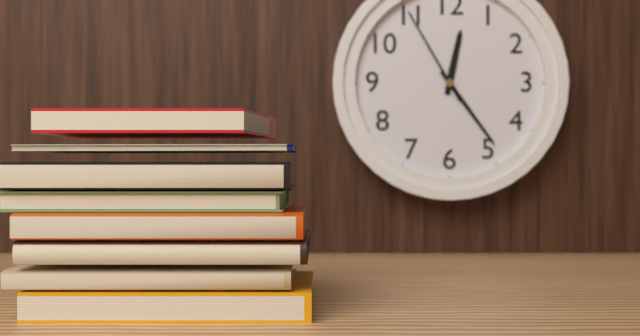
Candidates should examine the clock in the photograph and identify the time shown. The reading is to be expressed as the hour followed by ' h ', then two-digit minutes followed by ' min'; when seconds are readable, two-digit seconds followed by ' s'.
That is 12 h 24 min 55 s
